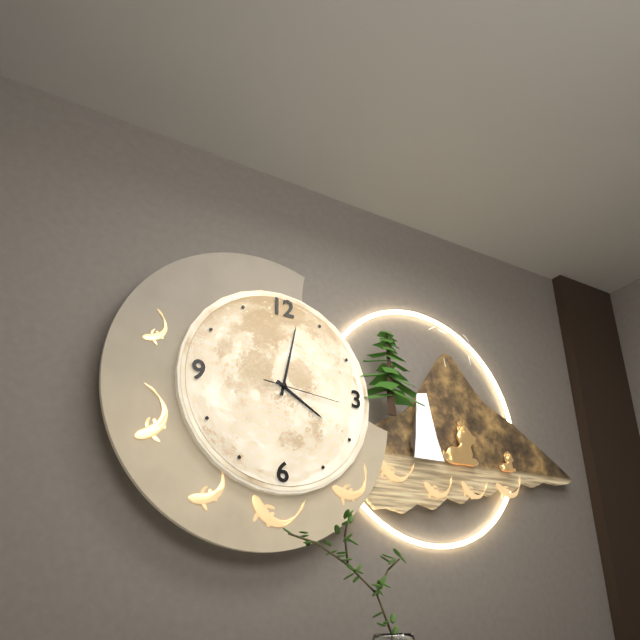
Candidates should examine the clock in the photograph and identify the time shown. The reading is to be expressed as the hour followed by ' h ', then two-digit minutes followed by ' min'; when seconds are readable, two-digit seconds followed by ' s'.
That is 4 h 02 min 16 s
